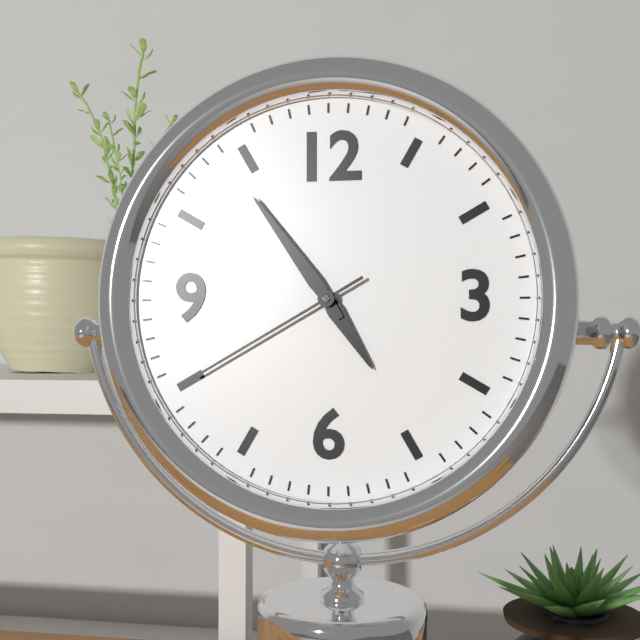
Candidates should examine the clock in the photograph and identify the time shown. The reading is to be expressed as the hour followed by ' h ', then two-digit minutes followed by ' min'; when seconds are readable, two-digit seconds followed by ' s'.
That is 4 h 54 min 40 s
